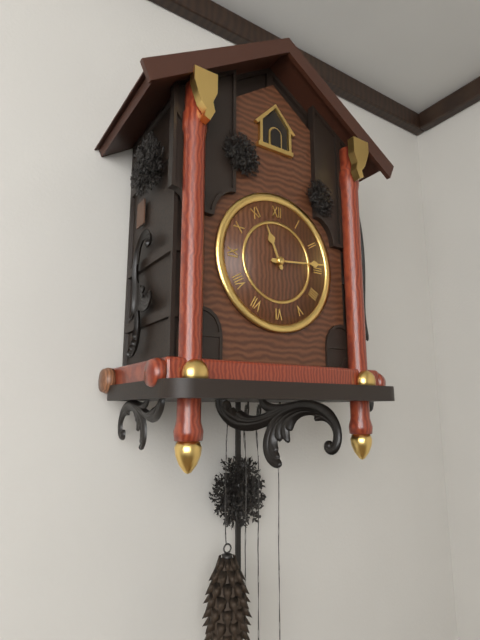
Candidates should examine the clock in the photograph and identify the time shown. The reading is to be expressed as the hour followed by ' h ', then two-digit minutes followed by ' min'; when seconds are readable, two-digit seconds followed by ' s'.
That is 11 h 14 min
